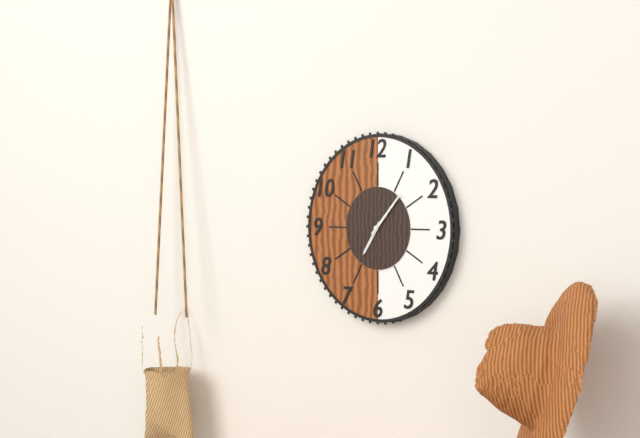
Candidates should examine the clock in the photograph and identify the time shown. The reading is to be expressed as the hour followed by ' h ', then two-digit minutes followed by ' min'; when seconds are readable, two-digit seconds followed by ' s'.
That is 7 h 07 min
